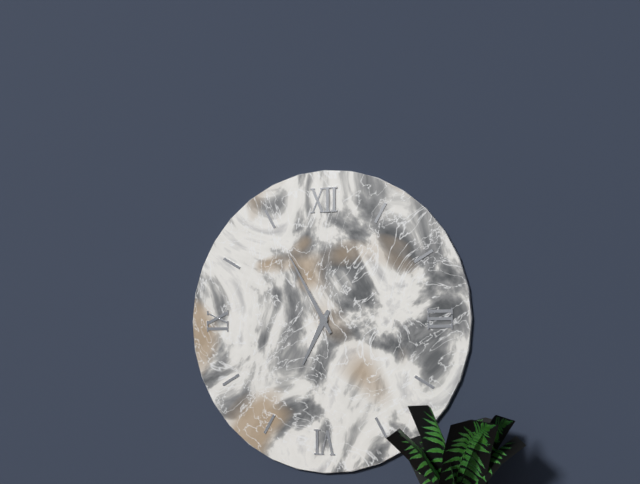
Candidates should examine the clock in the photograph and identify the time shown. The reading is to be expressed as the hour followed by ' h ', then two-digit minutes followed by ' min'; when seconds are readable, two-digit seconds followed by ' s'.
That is 6 h 55 min
